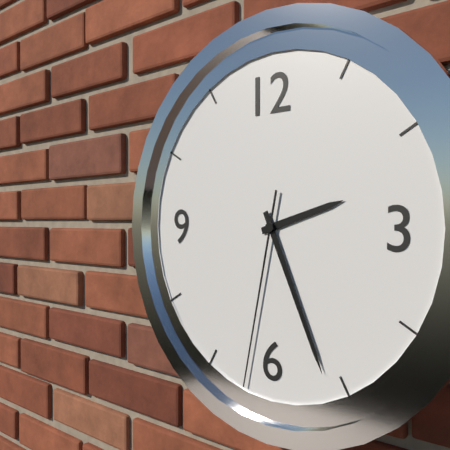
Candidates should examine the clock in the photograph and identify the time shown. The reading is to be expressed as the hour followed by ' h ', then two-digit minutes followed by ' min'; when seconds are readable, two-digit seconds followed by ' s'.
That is 2 h 26 min 32 s
